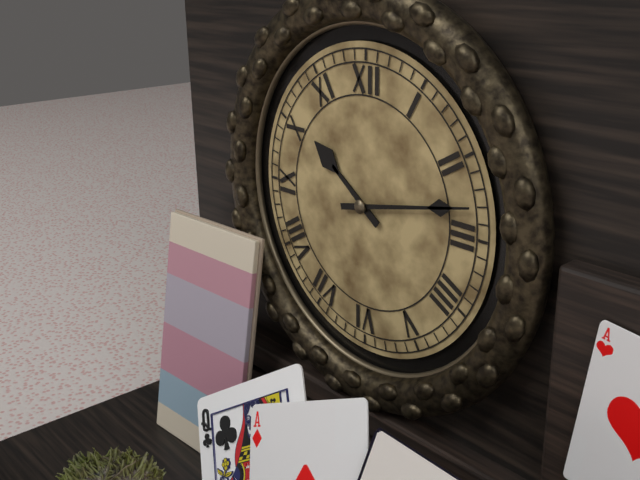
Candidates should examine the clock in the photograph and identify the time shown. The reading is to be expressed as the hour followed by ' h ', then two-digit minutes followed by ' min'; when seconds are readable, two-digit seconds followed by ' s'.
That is 10 h 13 min
